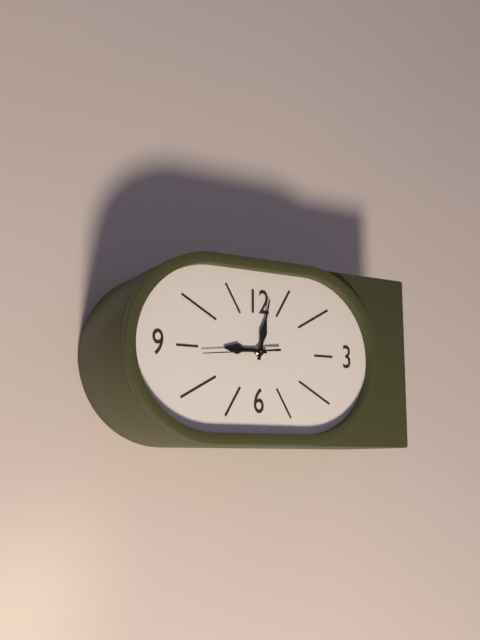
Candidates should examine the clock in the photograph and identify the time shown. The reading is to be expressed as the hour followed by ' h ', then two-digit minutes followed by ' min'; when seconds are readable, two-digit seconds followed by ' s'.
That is 9 h 02 min
